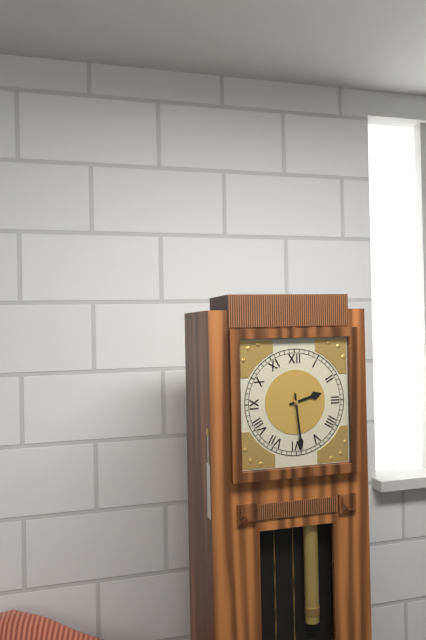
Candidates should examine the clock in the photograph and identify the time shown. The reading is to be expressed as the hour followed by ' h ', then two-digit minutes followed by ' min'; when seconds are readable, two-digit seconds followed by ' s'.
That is 2 h 29 min
